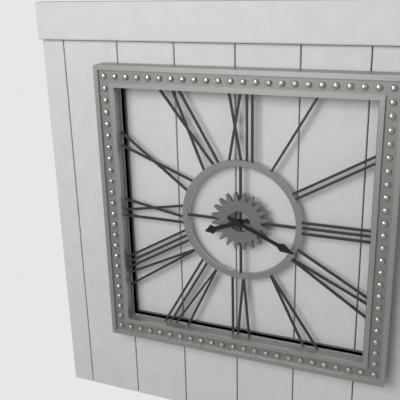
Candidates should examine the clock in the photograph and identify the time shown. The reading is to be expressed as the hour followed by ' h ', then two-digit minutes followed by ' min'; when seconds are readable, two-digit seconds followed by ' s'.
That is 8 h 19 min
